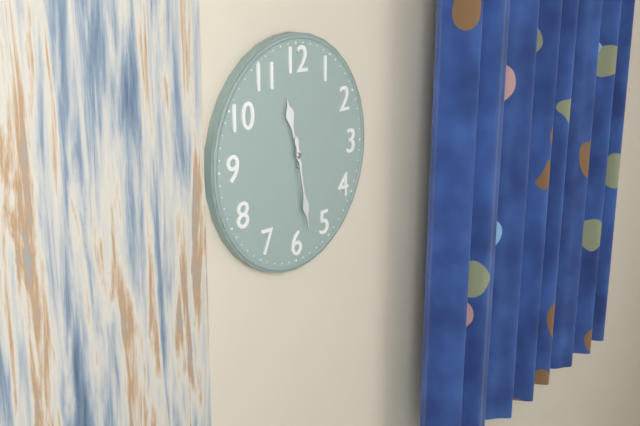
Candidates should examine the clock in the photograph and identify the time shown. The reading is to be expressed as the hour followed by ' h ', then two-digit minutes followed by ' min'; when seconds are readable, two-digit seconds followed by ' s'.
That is 11 h 28 min
